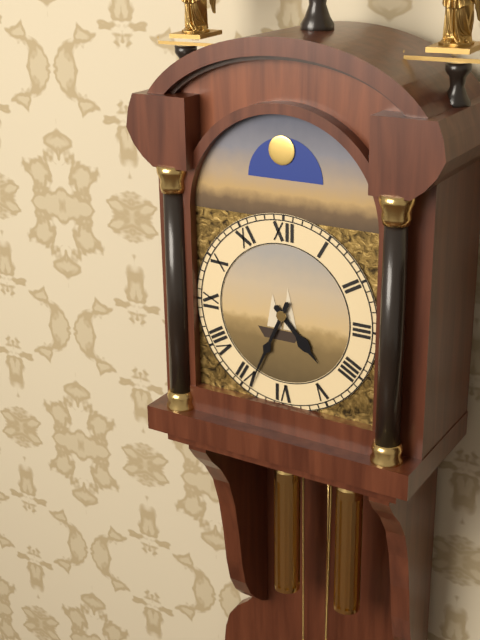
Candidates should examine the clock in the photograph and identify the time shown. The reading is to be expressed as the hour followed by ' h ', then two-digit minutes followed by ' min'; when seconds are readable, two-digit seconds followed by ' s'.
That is 4 h 34 min
